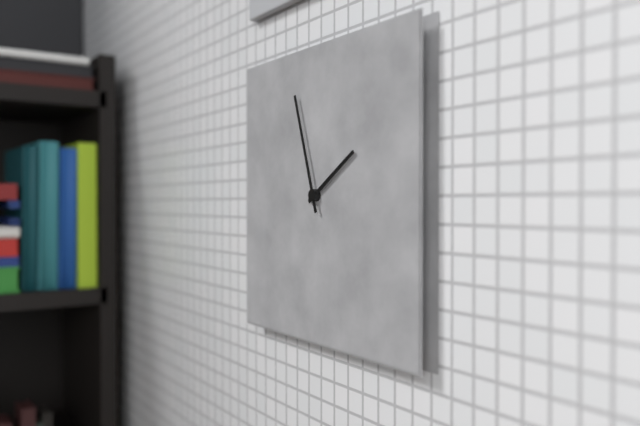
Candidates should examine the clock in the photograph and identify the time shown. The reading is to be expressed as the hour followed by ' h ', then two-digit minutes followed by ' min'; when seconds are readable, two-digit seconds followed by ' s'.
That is 1 h 57 min
